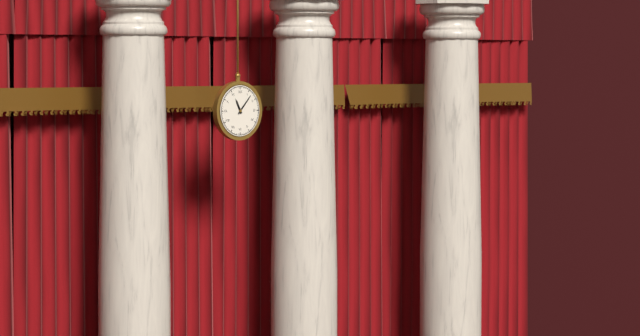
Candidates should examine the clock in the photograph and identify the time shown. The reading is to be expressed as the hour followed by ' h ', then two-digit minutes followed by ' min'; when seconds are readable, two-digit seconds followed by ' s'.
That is 11 h 07 min
